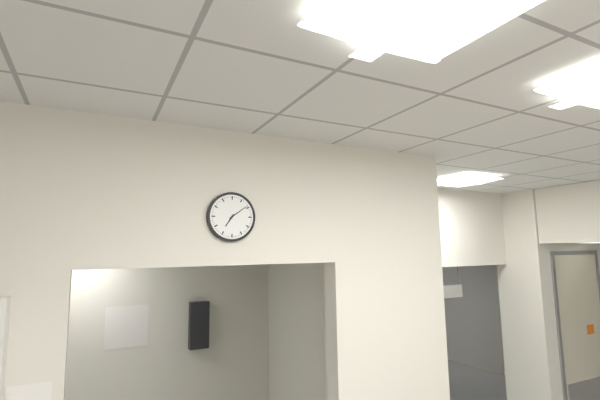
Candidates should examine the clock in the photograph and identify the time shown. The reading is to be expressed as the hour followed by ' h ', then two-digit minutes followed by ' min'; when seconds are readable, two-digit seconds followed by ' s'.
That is 7 h 09 min
